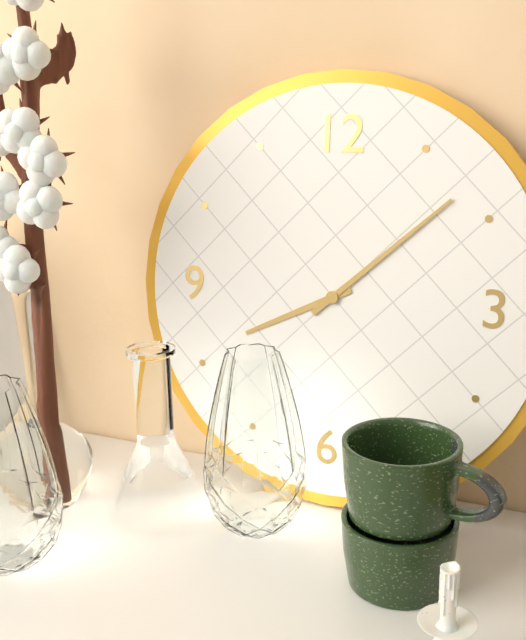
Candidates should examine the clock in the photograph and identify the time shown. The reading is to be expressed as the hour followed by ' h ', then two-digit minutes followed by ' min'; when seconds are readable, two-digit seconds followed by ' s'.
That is 8 h 08 min
